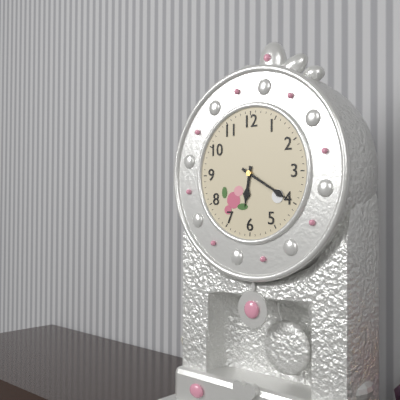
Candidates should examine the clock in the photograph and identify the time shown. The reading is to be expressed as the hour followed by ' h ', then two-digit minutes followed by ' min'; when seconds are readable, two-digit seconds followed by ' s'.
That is 6 h 20 min
